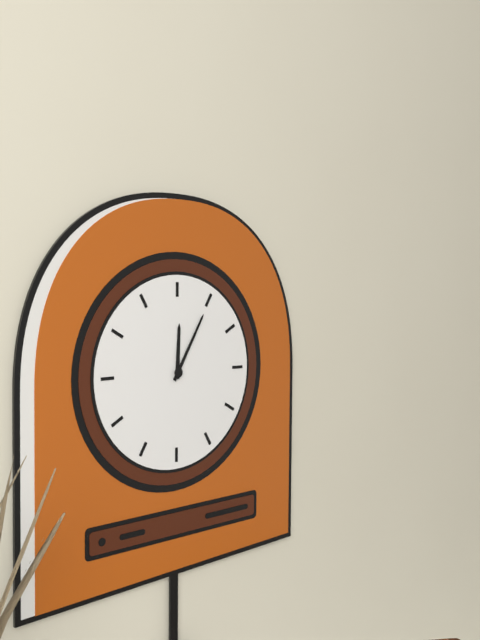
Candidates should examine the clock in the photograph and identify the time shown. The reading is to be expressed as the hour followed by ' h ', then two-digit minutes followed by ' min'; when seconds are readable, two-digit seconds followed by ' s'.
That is 12 h 05 min
